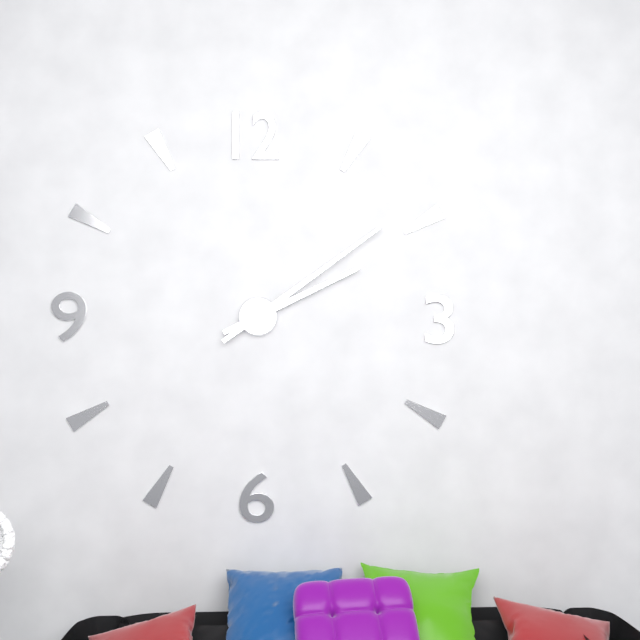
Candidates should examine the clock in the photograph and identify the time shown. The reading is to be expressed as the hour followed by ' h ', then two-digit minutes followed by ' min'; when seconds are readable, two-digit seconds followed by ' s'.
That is 2 h 09 min
